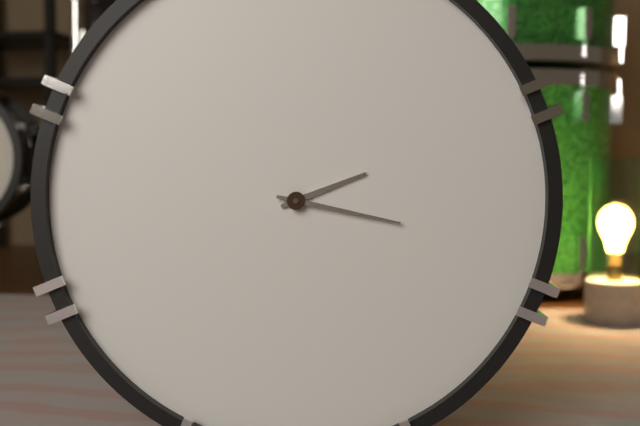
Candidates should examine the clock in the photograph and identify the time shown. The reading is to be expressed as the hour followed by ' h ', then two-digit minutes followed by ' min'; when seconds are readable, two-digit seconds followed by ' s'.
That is 2 h 17 min
